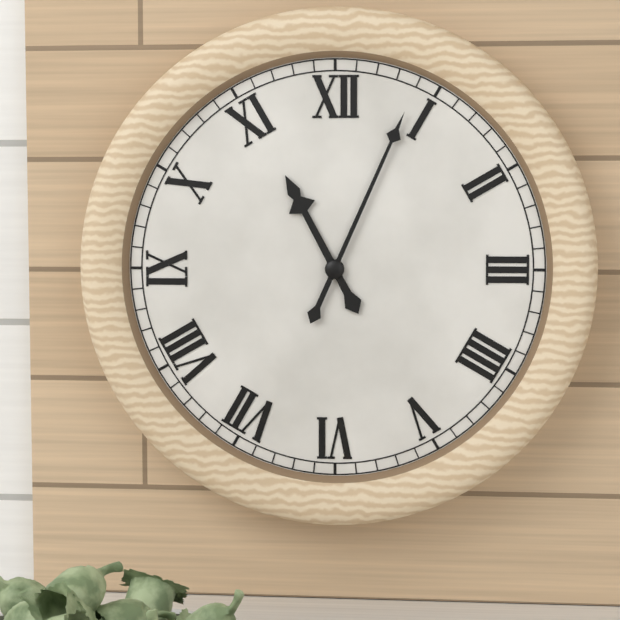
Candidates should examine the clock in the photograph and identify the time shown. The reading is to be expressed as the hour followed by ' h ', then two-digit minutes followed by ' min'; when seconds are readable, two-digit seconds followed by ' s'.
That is 11 h 04 min
